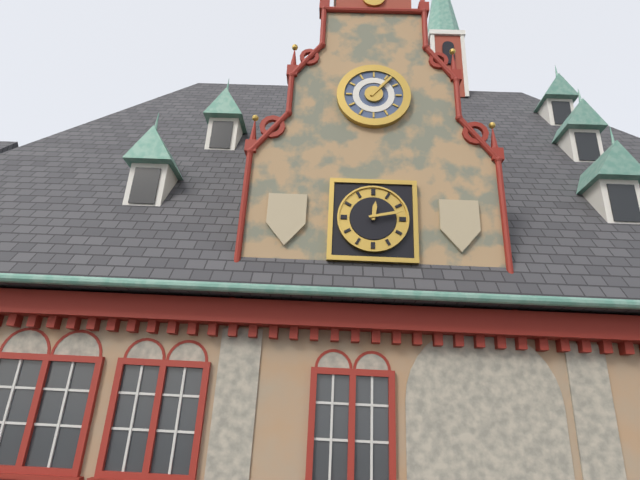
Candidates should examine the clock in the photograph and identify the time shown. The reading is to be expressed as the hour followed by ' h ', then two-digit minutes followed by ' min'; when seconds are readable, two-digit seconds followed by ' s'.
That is 12 h 13 min
